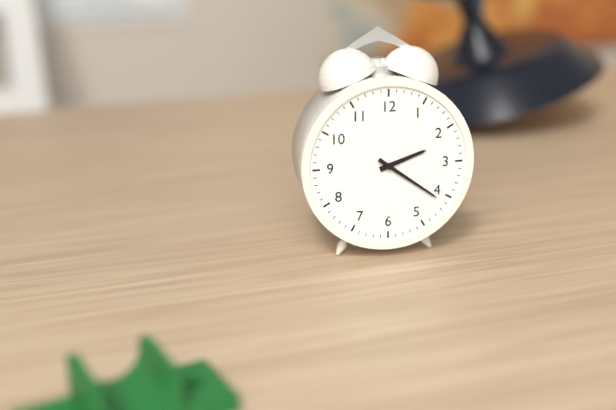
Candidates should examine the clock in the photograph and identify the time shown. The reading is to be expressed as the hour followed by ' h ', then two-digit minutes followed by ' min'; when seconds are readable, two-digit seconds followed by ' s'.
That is 2 h 21 min
